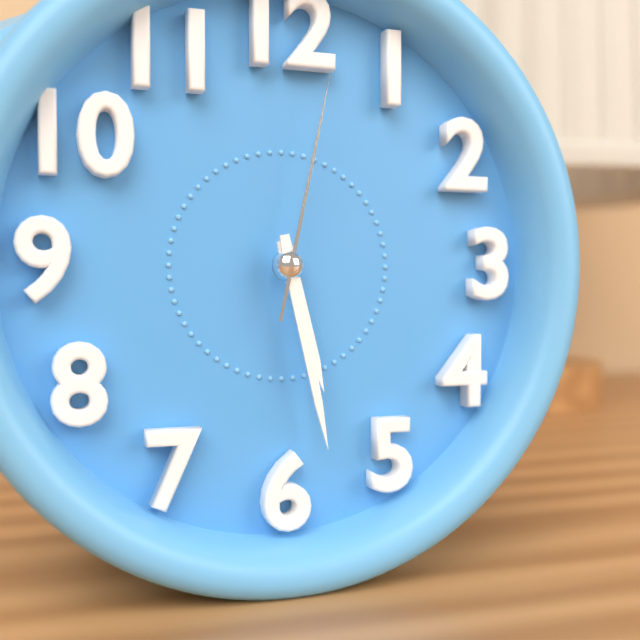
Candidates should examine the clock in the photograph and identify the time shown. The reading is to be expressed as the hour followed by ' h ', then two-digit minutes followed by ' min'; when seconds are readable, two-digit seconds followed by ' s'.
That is 5 h 28 min 02 s
